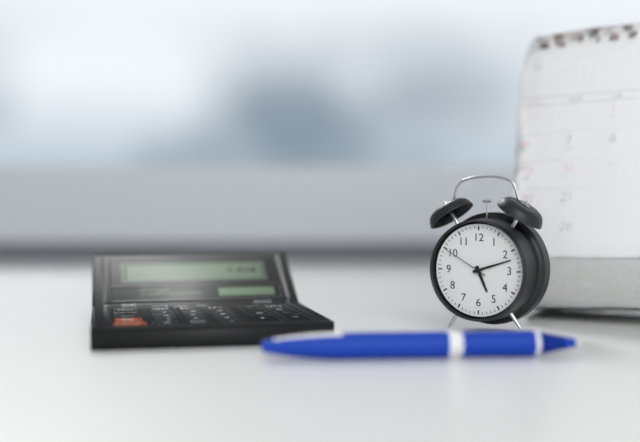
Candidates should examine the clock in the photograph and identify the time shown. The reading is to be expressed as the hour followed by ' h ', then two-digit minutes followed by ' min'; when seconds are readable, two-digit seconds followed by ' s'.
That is 5 h 12 min
